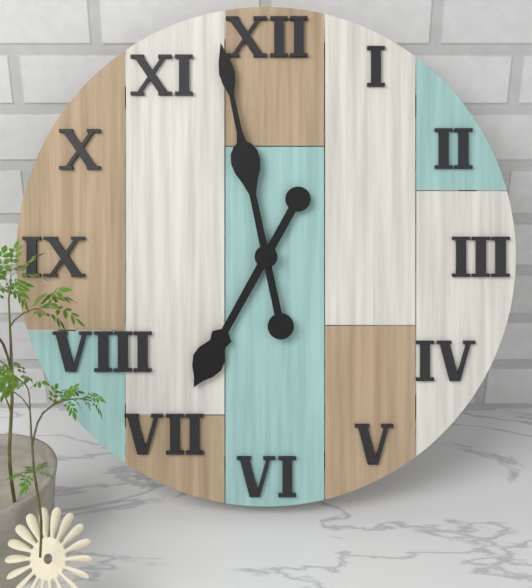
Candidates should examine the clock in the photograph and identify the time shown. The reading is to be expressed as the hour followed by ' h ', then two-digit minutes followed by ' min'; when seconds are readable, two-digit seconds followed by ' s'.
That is 6 h 58 min
